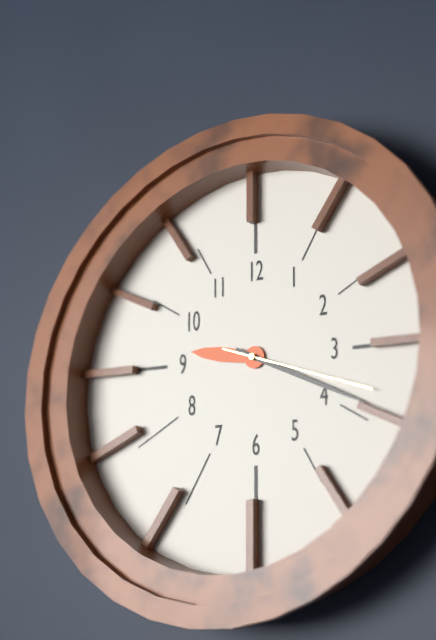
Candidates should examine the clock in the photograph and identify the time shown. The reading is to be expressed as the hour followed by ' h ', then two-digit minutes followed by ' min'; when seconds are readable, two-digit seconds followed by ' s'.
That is 9 h 19 min 18 s
